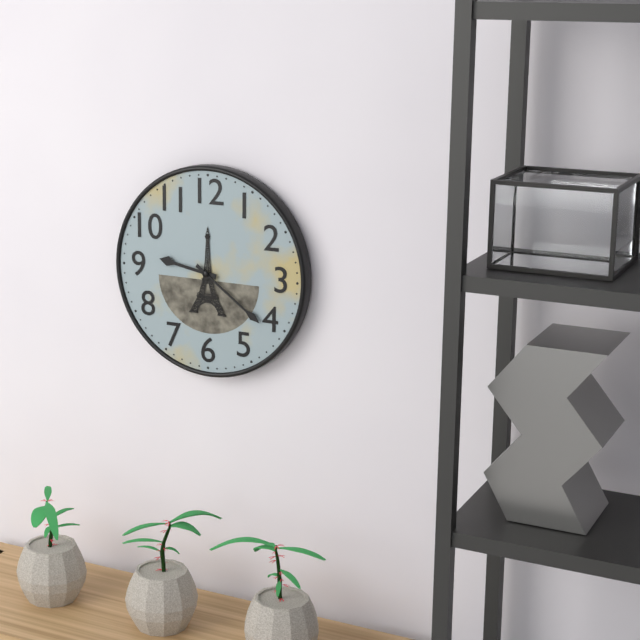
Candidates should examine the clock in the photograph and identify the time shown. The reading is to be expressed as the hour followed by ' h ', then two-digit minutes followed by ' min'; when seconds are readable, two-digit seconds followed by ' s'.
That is 9 h 21 min
